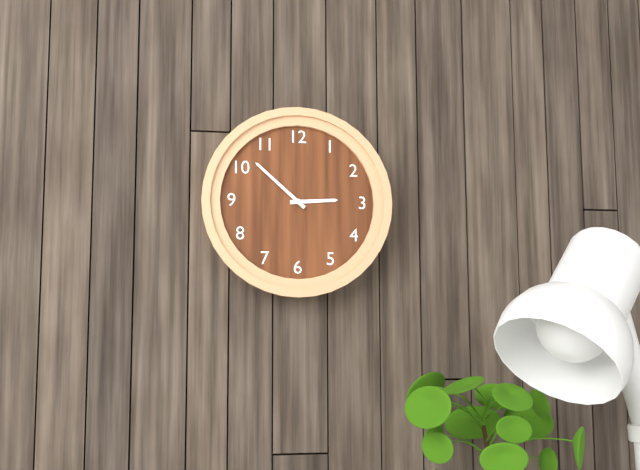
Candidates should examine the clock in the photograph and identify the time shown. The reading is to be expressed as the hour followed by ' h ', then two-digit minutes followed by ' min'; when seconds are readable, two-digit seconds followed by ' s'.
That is 2 h 52 min
